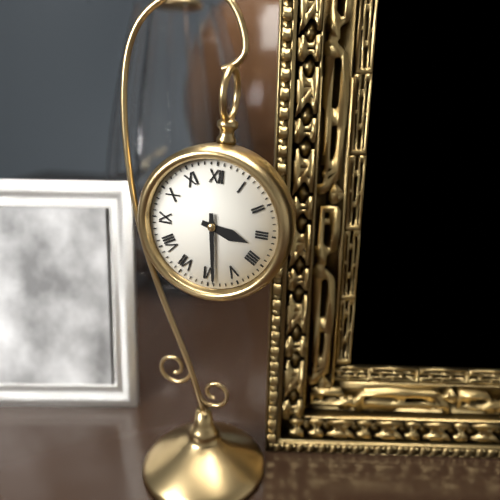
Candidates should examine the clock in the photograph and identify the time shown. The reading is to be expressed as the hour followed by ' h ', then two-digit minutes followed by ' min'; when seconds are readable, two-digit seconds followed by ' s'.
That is 3 h 29 min
